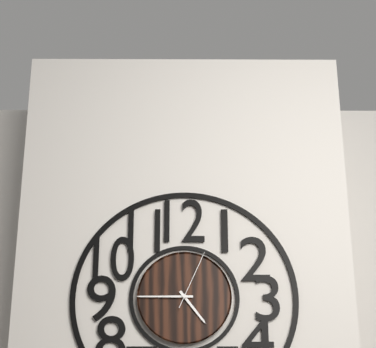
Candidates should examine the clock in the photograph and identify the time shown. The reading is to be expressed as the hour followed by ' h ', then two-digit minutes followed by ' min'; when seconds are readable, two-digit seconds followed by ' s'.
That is 4 h 45 min 04 s
